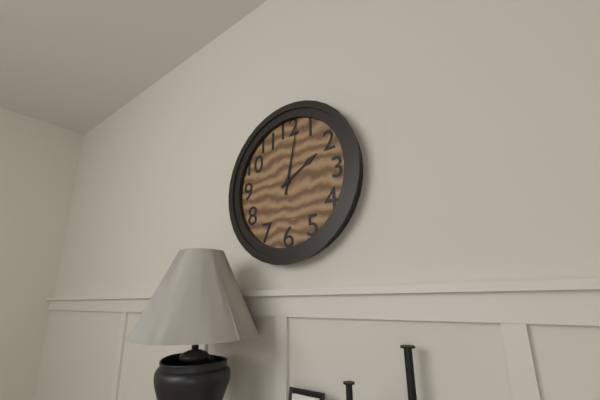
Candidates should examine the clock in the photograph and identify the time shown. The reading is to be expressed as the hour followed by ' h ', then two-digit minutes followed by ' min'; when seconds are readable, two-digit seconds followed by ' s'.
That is 2 h 02 min
